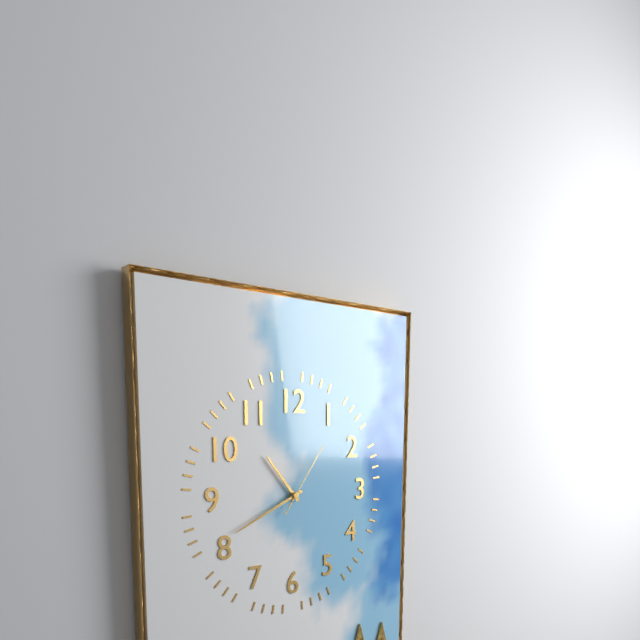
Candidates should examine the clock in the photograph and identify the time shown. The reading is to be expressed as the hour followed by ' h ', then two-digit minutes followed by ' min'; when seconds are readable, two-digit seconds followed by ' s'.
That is 10 h 41 min 06 s
